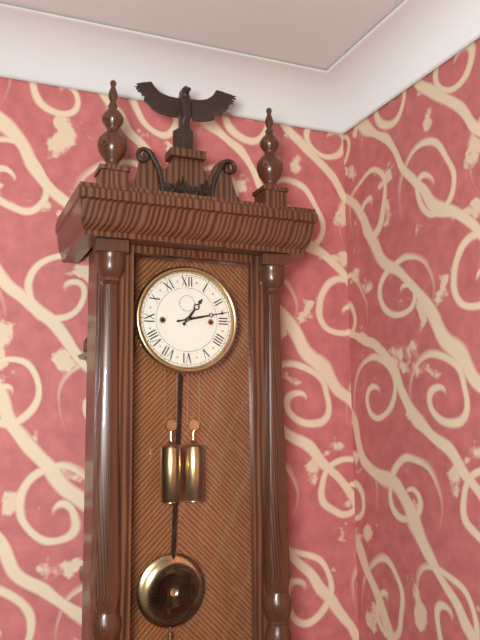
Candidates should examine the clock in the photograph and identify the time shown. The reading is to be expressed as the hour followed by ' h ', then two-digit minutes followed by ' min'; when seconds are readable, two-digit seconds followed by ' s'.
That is 1 h 13 min
